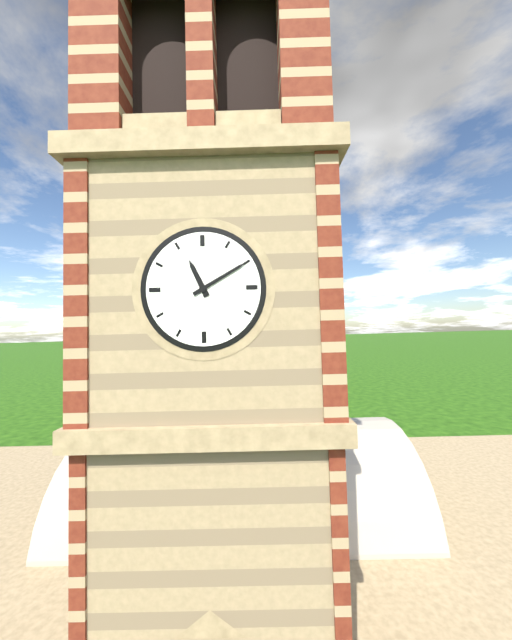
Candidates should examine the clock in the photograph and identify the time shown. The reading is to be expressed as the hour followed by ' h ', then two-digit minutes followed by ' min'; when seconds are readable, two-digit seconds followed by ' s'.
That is 11 h 10 min
